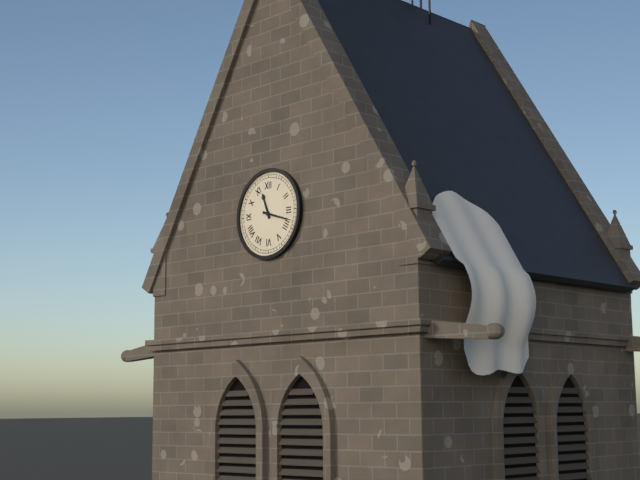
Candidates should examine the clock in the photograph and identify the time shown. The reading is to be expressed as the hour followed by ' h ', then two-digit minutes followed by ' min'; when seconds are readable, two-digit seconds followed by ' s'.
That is 11 h 18 min
